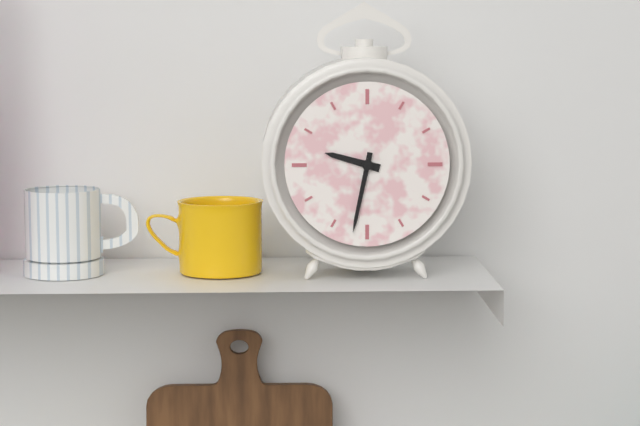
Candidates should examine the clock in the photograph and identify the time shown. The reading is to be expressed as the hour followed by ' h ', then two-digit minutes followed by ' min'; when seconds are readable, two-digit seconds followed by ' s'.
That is 9 h 32 min
